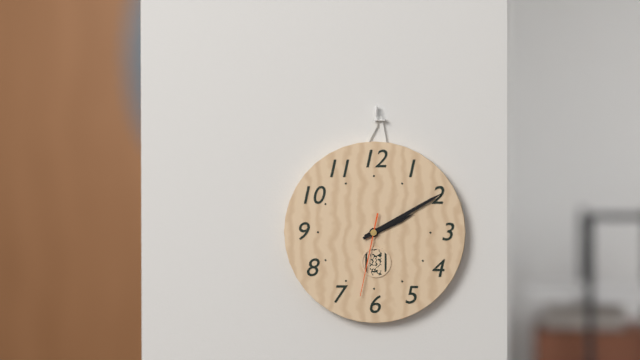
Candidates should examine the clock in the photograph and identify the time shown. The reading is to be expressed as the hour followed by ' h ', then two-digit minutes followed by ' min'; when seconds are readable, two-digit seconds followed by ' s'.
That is 2 h 10 min 32 s
